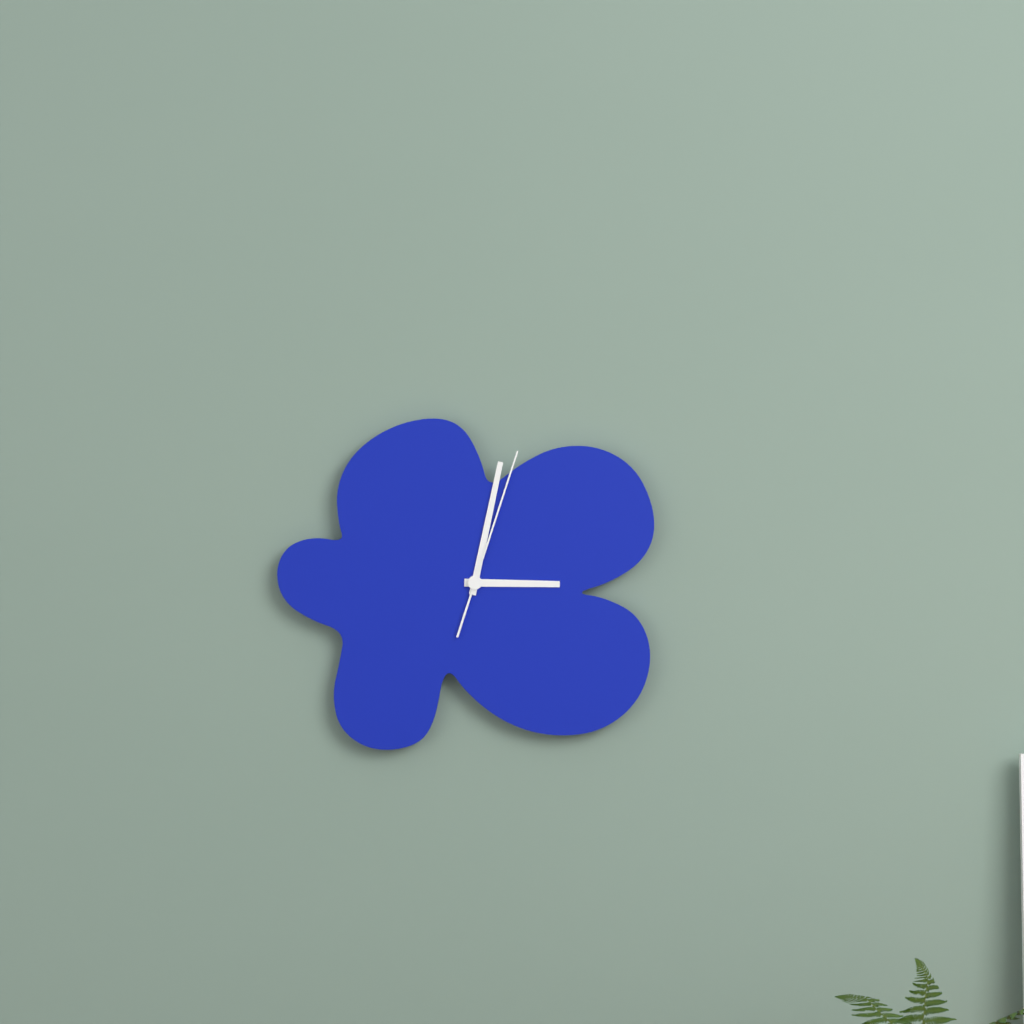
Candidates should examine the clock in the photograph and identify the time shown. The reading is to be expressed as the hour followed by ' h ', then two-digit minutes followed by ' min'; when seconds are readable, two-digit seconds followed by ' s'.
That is 3 h 02 min 03 s
